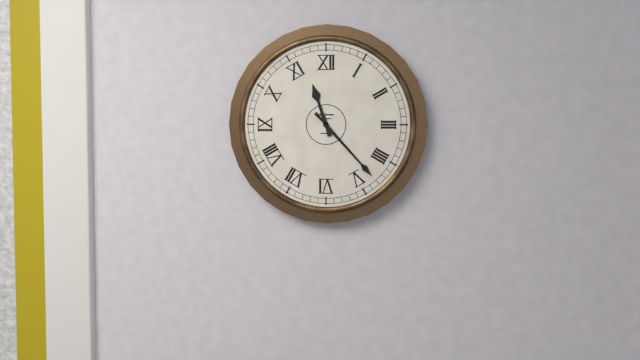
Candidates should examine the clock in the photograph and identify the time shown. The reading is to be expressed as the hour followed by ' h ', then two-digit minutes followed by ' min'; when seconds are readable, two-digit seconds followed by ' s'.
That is 11 h 23 min
